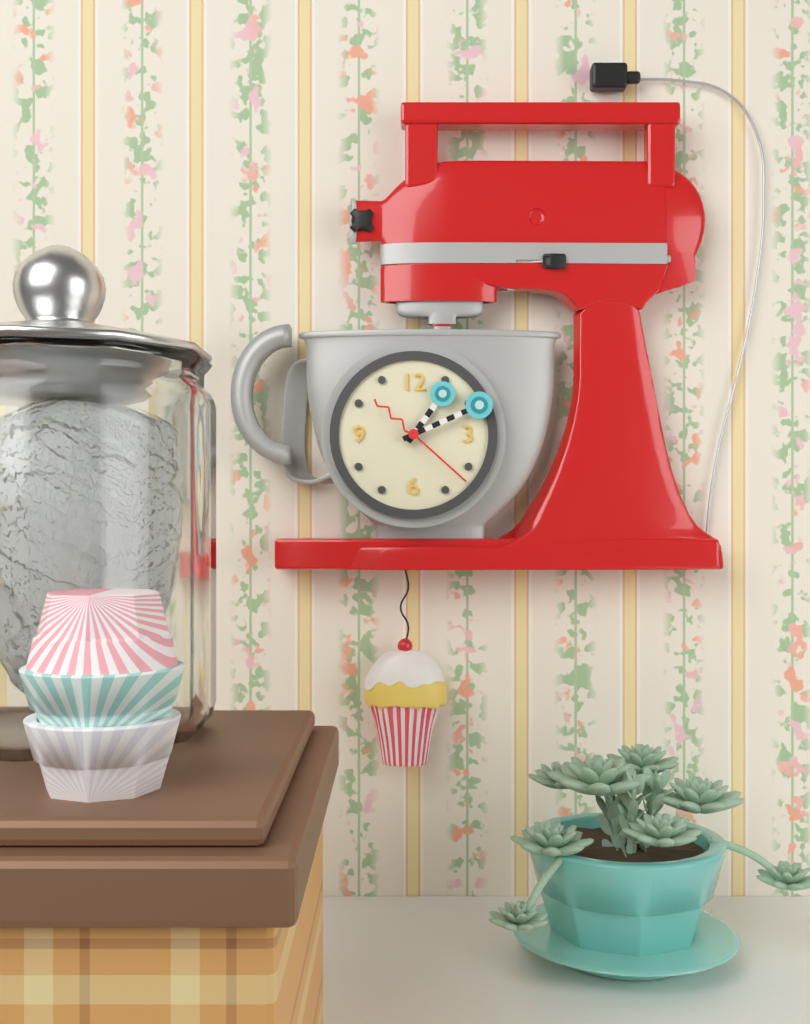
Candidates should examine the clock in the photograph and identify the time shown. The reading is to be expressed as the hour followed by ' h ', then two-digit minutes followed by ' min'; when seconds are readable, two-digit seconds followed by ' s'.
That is 1 h 11 min 22 s
